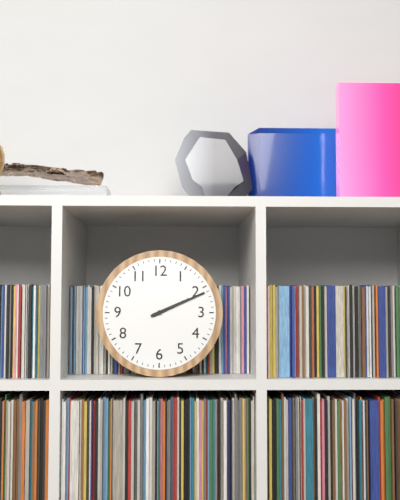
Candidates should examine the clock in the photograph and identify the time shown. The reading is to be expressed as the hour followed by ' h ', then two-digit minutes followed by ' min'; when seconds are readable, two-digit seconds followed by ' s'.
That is 2 h 11 min
